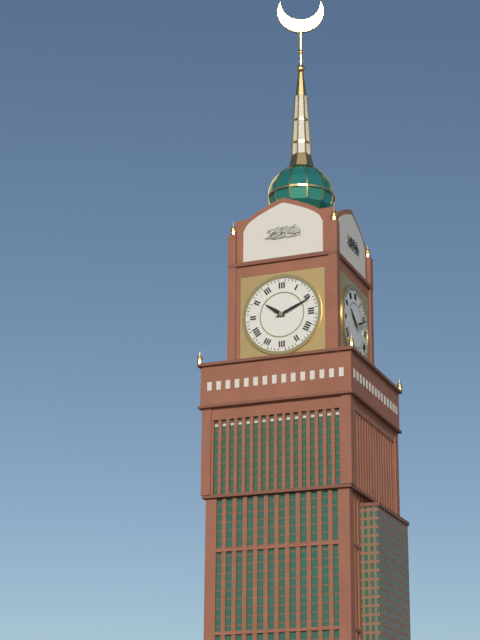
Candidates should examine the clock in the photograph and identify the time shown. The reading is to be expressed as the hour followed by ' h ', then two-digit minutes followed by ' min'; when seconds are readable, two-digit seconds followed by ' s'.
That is 10 h 11 min
